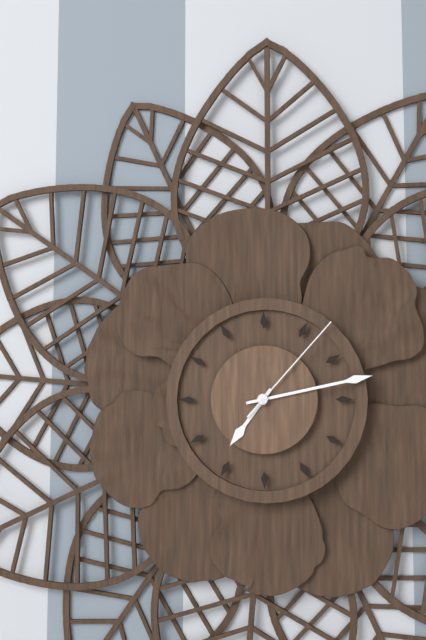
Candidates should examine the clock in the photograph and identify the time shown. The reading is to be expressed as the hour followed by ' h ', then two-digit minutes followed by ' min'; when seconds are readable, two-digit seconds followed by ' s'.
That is 7 h 13 min 07 s
